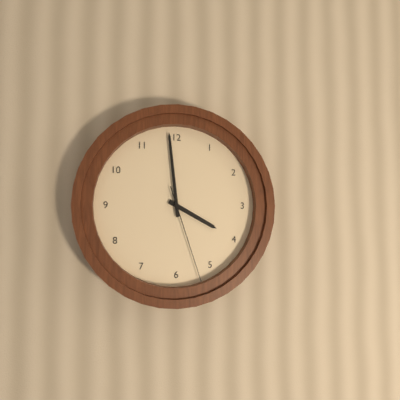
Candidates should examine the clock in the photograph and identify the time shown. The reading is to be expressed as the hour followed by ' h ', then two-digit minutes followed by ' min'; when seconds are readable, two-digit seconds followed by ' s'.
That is 3 h 59 min 27 s
